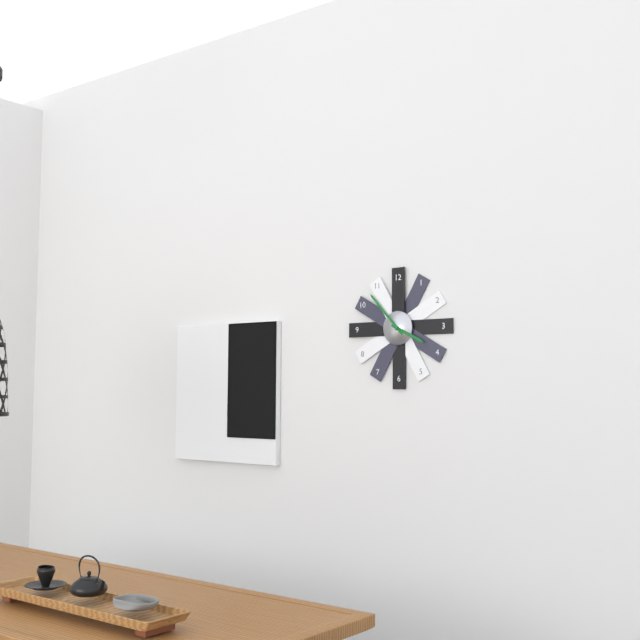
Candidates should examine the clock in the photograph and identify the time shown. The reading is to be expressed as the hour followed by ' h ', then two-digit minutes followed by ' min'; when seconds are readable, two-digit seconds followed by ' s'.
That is 3 h 53 min
